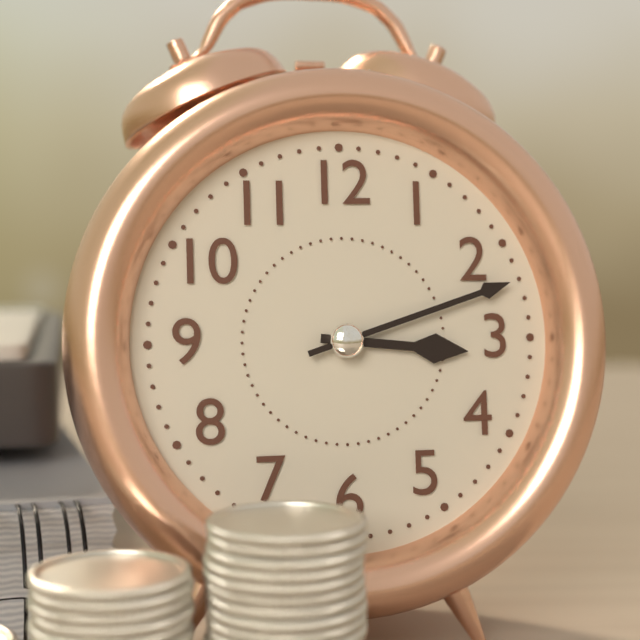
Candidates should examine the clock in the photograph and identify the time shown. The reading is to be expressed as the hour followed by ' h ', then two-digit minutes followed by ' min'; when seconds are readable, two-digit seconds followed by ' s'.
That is 3 h 12 min
